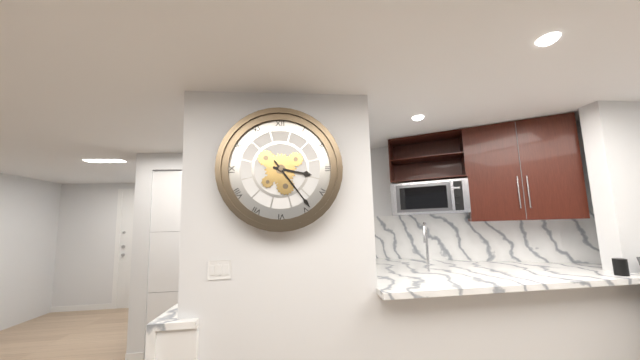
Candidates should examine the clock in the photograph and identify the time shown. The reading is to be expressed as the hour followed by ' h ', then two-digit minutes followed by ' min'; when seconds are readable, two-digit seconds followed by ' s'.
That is 3 h 24 min
